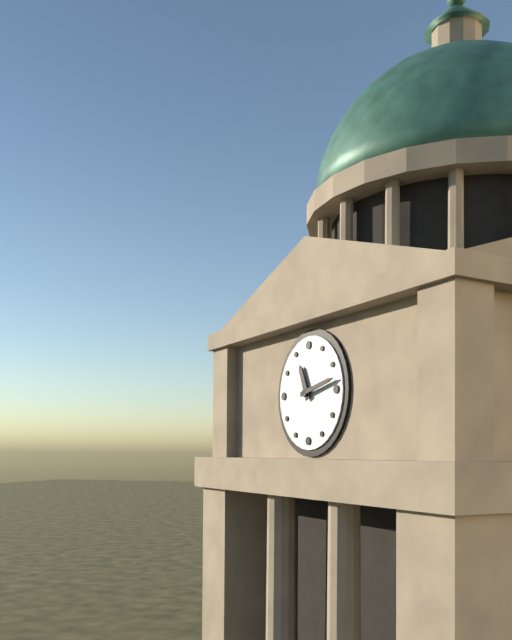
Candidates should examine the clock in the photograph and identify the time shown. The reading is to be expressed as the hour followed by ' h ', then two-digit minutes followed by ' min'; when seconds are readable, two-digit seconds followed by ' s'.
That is 11 h 13 min
